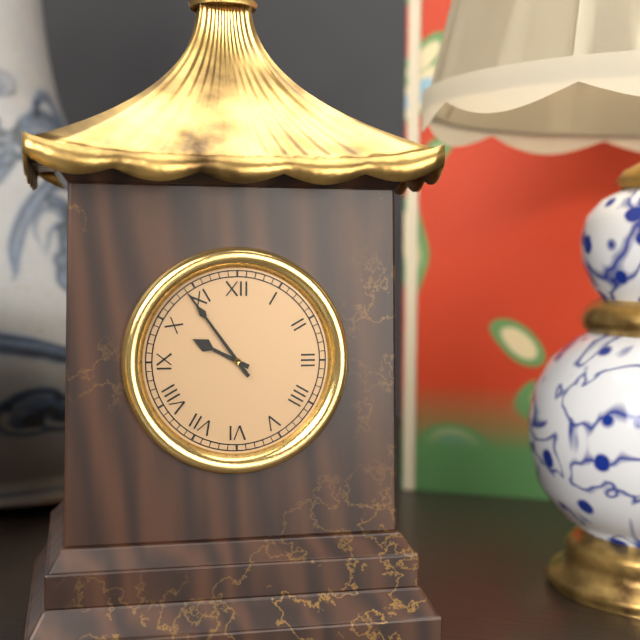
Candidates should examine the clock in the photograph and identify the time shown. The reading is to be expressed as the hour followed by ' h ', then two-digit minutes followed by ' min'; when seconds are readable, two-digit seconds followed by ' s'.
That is 9 h 54 min
